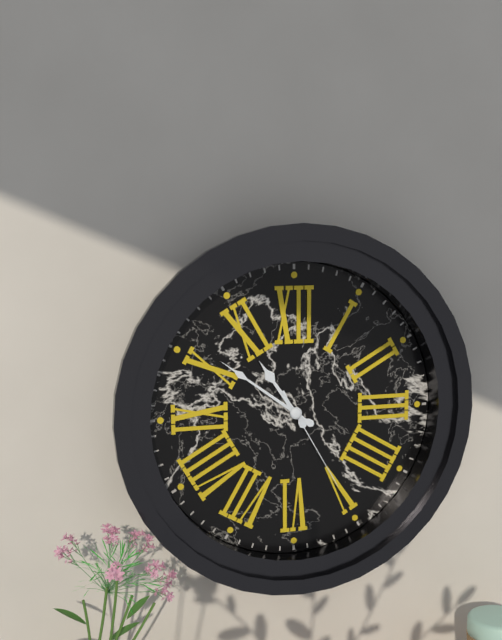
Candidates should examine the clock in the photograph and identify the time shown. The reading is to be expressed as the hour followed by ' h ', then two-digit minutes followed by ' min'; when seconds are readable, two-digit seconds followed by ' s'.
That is 10 h 51 min 25 s
